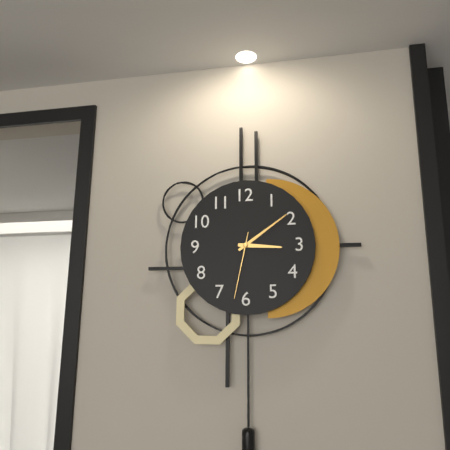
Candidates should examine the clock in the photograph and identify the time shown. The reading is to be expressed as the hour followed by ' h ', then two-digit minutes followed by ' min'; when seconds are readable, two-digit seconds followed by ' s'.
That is 3 h 09 min 32 s
